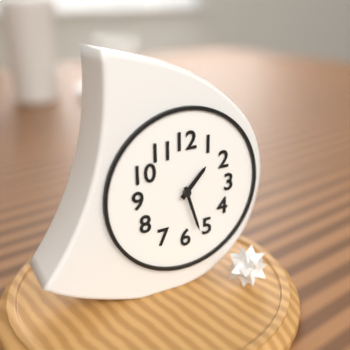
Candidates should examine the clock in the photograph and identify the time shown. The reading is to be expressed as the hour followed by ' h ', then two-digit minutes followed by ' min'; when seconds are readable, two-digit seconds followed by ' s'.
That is 1 h 27 min
